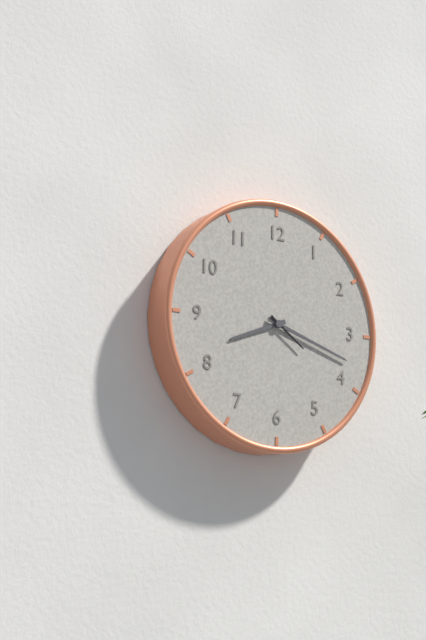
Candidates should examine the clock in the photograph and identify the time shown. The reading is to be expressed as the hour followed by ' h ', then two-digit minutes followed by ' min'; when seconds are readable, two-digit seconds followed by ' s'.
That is 8 h 18 min
